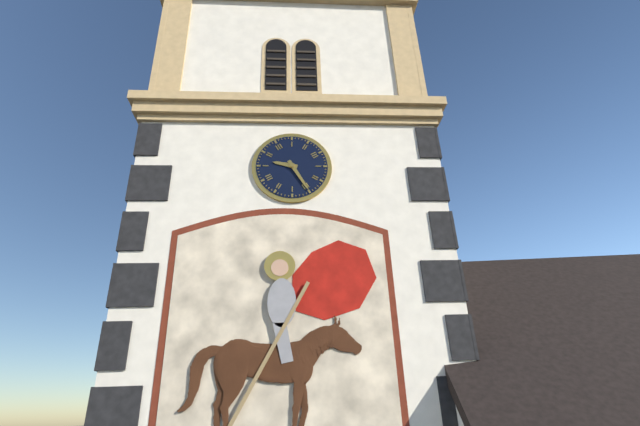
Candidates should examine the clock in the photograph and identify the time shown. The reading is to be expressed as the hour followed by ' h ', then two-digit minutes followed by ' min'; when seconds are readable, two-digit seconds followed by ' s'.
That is 9 h 25 min
